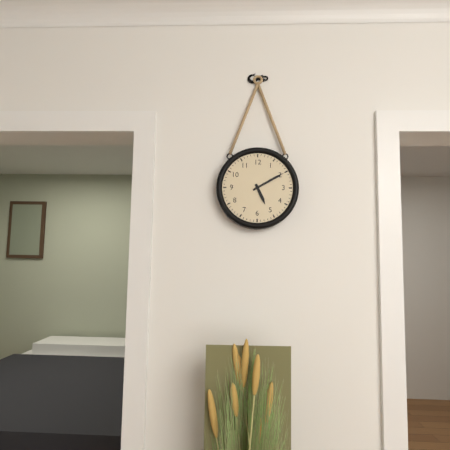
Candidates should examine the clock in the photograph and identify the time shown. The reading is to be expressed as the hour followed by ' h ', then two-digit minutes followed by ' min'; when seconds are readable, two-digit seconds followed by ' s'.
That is 5 h 10 min
